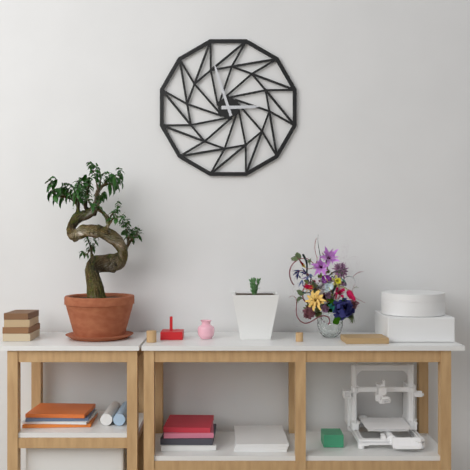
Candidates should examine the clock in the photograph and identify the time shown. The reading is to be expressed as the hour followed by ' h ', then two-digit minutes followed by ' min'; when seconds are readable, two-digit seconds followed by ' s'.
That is 2 h 57 min
